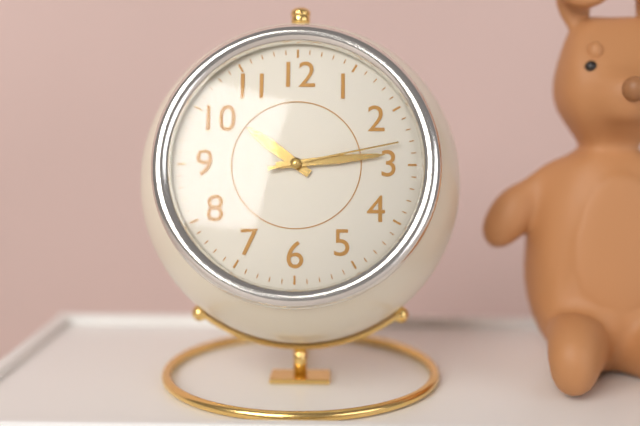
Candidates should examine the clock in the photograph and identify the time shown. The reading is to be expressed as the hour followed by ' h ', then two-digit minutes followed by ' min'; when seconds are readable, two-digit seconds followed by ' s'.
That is 10 h 14 min 13 s
